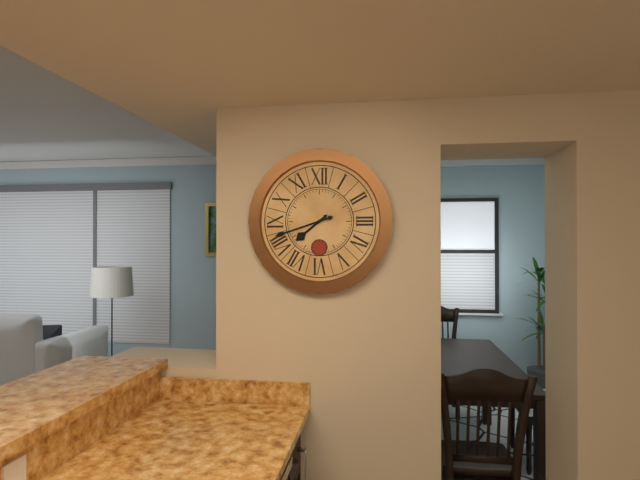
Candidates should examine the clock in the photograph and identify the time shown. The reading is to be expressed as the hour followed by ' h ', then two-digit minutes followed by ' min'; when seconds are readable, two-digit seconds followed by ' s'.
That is 7 h 42 min
